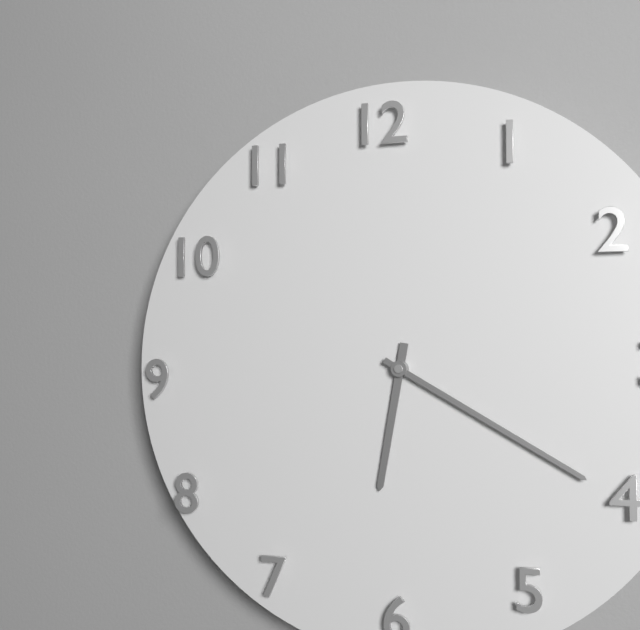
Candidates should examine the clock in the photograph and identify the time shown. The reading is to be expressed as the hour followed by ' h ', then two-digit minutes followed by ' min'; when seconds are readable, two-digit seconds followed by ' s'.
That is 6 h 20 min
